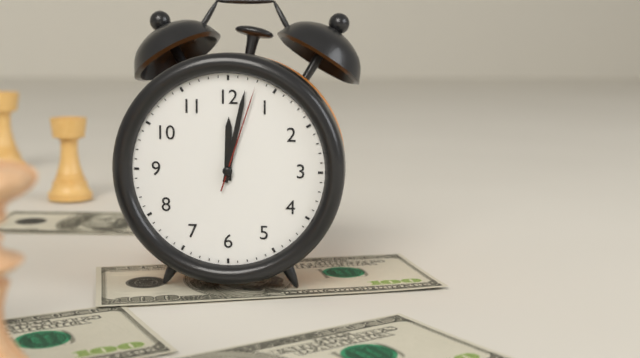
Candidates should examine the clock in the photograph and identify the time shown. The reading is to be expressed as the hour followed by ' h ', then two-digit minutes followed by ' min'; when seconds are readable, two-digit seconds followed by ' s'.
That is 12 h 02 min 03 s
